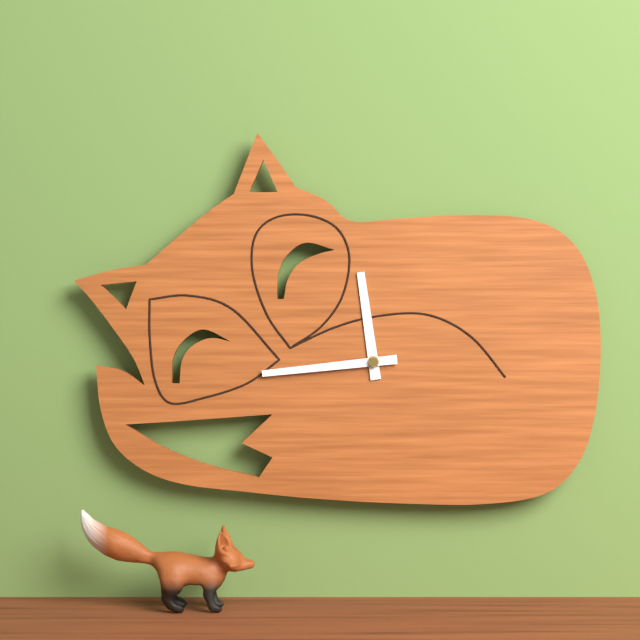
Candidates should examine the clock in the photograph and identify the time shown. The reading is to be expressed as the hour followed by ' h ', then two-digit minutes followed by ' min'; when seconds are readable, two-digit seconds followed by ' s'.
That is 11 h 44 min
